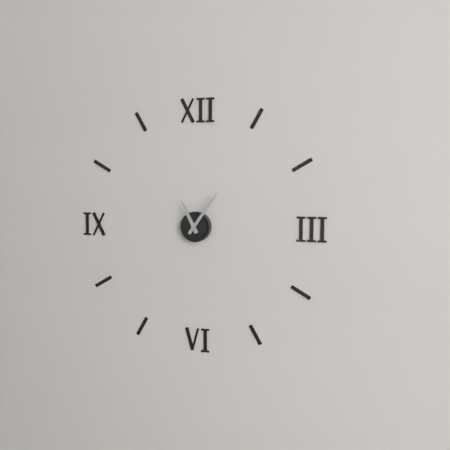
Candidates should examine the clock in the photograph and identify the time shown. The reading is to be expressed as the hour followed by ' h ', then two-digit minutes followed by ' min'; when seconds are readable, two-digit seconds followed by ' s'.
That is 11 h 06 min
